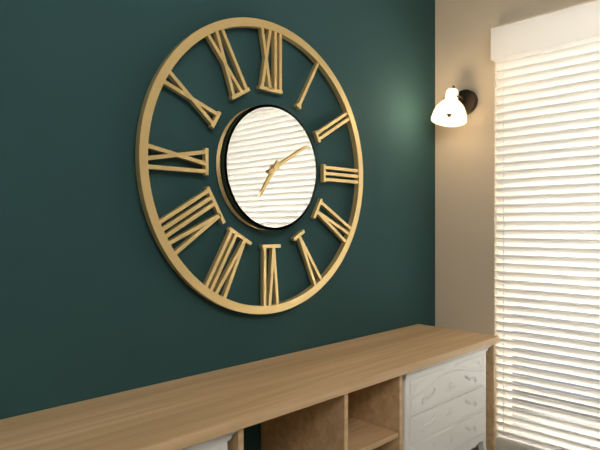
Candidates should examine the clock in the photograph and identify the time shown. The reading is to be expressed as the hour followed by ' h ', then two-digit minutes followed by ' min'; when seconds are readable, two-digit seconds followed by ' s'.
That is 7 h 10 min
